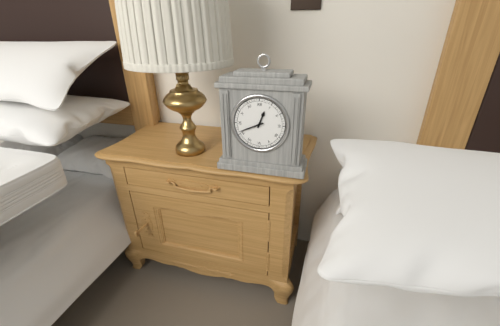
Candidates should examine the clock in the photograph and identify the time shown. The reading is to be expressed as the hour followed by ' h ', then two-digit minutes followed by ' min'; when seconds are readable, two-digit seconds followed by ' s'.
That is 12 h 41 min
